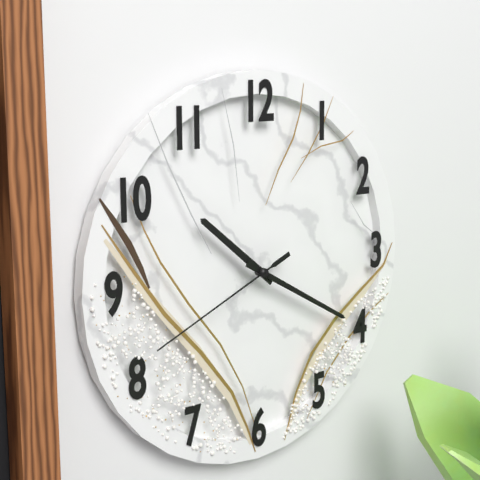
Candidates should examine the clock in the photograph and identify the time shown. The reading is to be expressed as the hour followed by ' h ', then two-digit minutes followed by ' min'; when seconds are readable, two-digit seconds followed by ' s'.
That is 10 h 20 min 41 s
